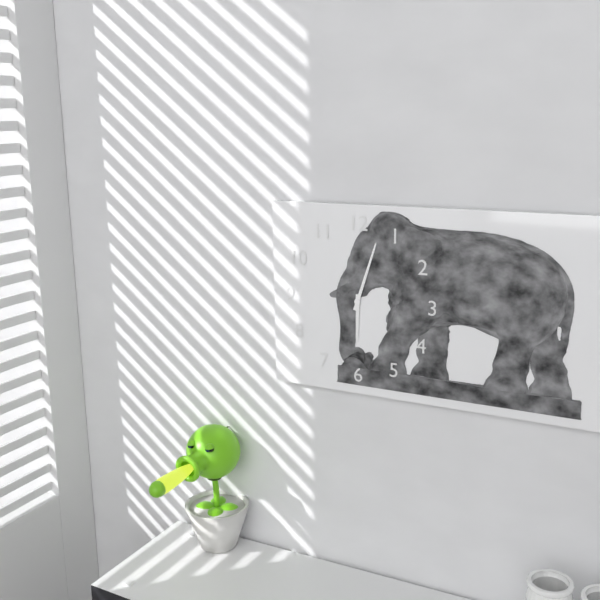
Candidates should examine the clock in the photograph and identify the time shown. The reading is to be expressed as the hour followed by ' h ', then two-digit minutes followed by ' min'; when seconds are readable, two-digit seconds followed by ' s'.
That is 6 h 03 min
